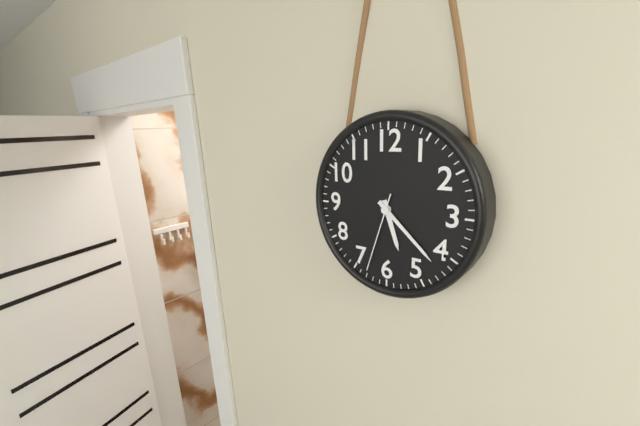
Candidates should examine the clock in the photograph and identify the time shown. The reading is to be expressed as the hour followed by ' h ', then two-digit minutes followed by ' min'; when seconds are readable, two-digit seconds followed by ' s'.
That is 5 h 22 min 33 s
